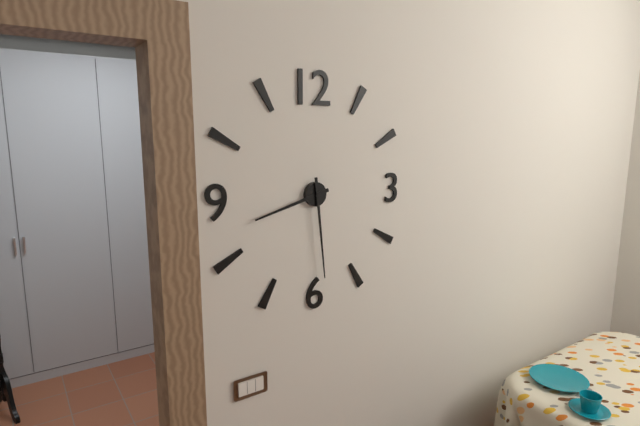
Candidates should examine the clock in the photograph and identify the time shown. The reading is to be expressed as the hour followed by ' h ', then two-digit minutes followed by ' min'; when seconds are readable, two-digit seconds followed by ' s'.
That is 8 h 29 min
